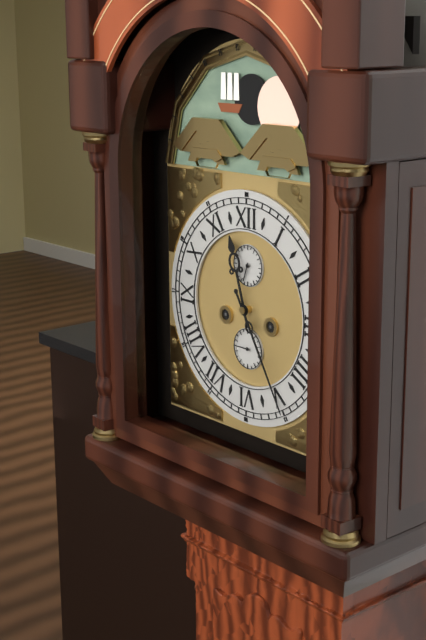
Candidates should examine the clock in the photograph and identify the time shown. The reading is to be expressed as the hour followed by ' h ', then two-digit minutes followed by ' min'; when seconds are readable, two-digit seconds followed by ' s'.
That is 11 h 25 min
